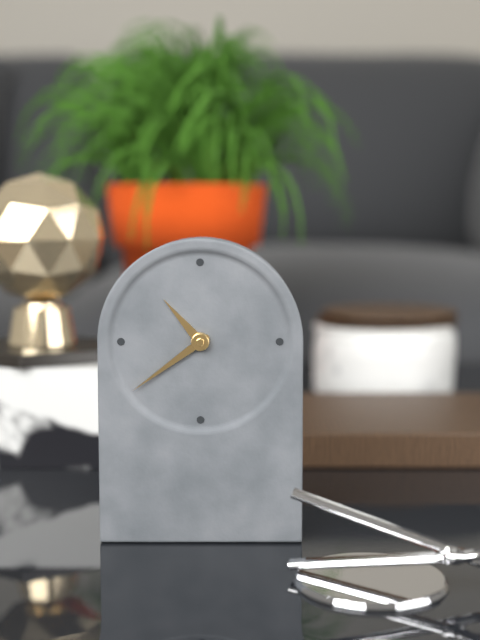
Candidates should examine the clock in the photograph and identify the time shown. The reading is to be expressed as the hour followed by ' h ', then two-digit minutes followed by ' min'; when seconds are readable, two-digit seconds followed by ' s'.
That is 10 h 39 min
